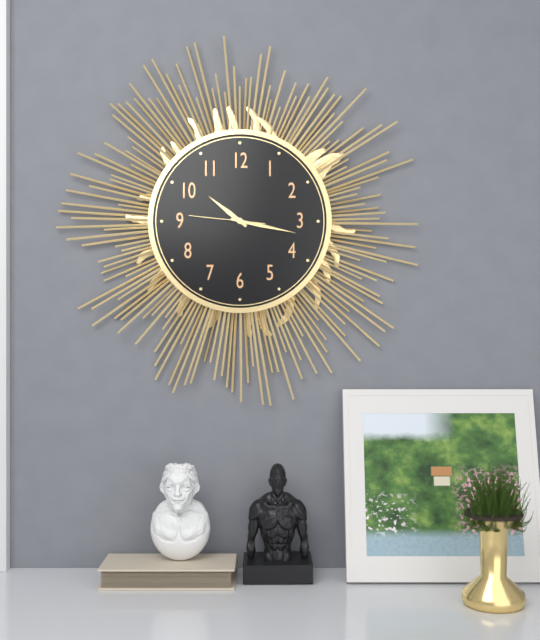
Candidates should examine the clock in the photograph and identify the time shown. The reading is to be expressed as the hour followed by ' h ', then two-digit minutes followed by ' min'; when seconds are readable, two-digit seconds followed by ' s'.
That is 10 h 17 min 46 s
